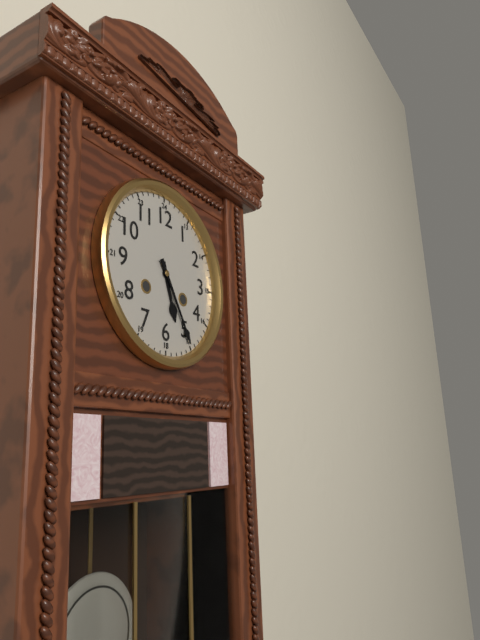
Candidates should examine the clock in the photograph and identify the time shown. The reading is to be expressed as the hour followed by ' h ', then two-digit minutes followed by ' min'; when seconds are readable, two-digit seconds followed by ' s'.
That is 5 h 25 min
